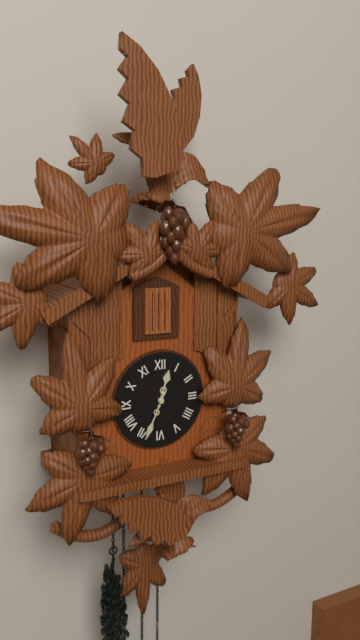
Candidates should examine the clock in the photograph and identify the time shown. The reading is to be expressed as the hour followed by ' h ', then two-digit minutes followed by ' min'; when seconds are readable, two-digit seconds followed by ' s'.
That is 12 h 34 min
